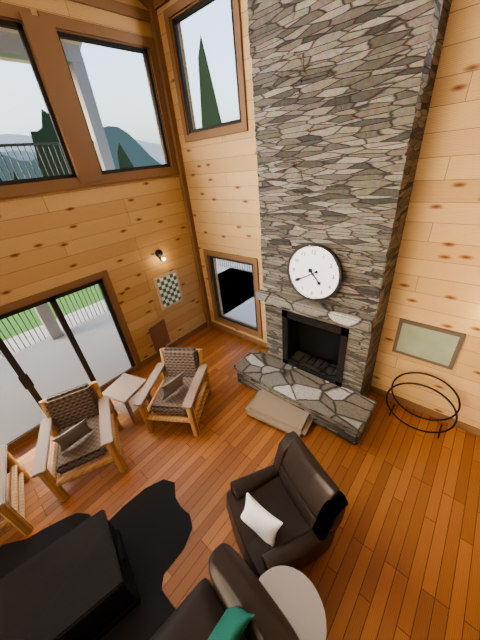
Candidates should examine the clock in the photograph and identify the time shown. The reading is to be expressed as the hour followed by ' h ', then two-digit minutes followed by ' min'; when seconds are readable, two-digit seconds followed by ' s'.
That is 4 h 40 min
